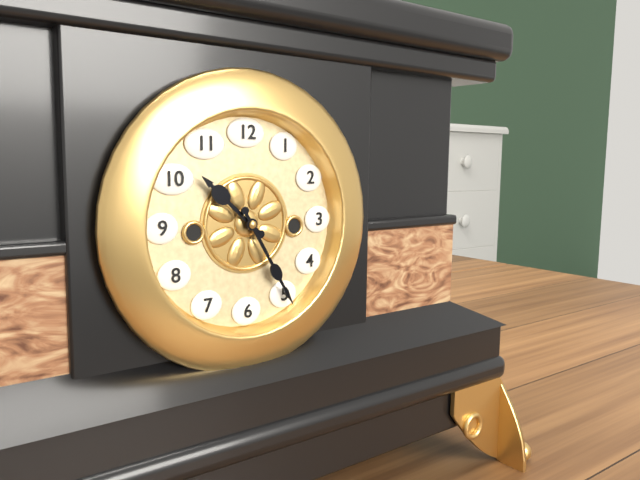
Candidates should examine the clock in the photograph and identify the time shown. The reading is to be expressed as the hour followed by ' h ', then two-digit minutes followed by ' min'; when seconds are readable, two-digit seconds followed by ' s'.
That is 10 h 25 min
